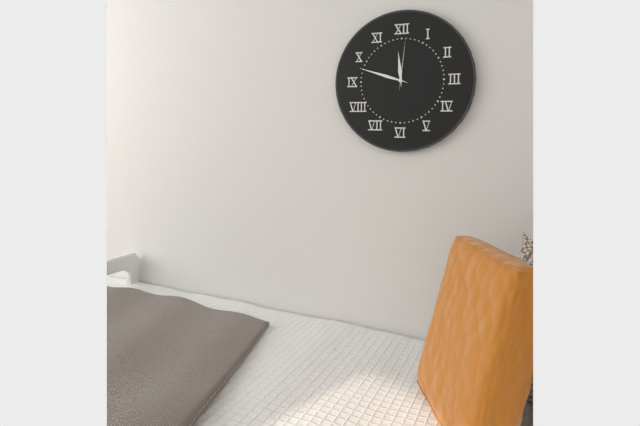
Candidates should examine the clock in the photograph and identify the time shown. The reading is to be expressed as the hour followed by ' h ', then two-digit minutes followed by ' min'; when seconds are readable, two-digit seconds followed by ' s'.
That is 11 h 48 min 01 s
